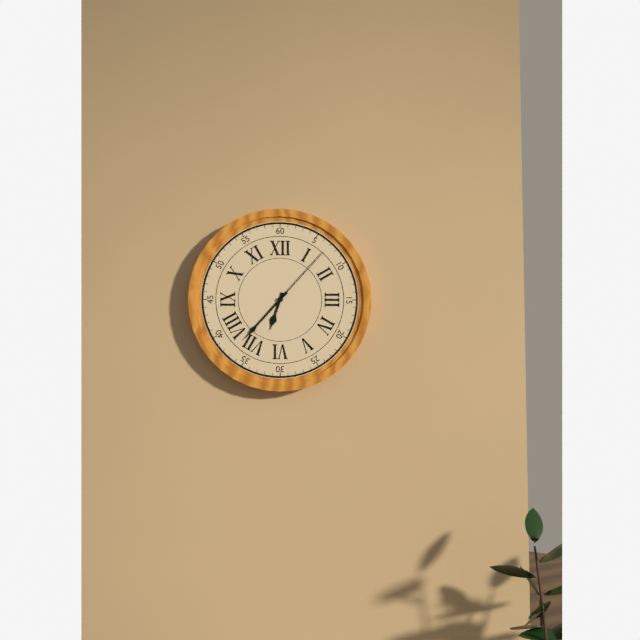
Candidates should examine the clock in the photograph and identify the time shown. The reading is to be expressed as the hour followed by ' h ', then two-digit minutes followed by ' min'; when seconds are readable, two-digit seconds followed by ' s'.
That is 6 h 37 min 07 s
